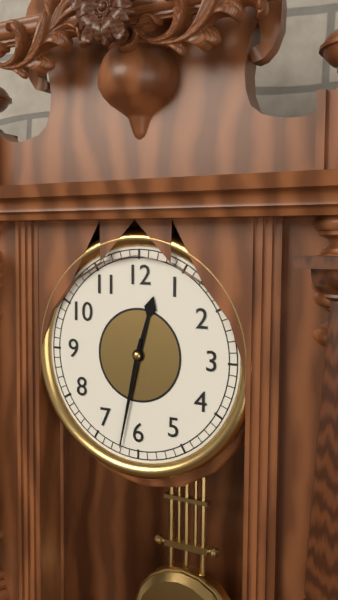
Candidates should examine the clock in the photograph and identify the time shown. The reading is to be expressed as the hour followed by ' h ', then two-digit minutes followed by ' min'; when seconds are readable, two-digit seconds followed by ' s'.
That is 12 h 32 min
